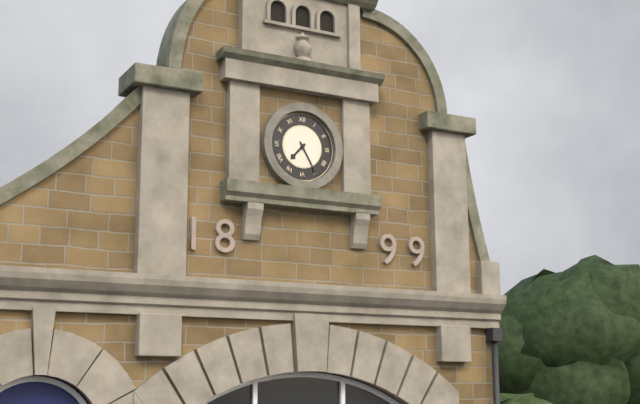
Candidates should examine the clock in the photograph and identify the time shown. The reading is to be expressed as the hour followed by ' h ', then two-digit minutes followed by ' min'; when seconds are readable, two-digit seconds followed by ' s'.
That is 7 h 25 min
